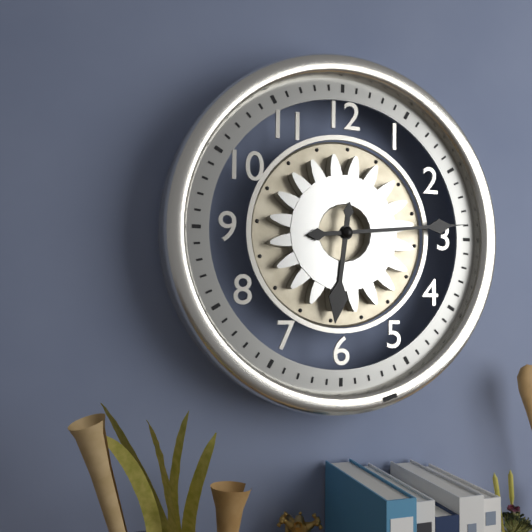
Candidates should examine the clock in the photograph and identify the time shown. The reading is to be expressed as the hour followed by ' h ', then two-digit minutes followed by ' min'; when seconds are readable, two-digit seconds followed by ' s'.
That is 6 h 14 min
